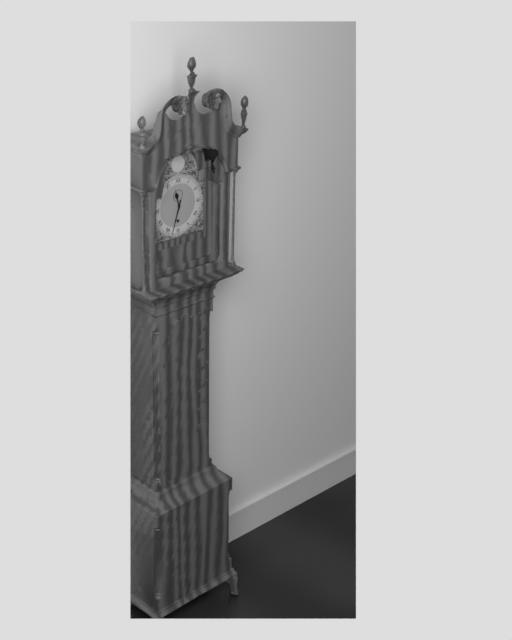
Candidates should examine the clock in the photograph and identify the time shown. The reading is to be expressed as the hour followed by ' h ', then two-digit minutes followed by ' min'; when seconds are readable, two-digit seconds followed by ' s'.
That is 11 h 33 min
